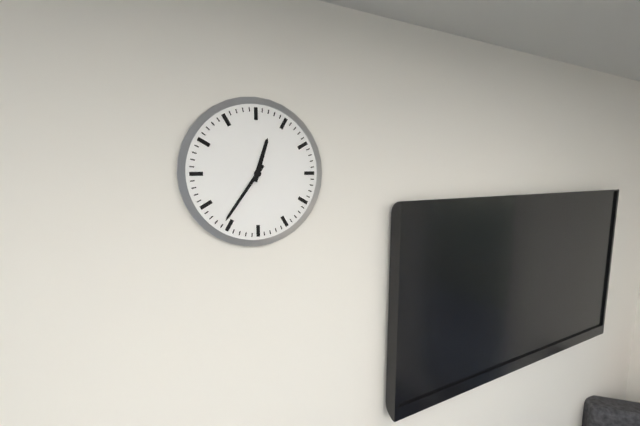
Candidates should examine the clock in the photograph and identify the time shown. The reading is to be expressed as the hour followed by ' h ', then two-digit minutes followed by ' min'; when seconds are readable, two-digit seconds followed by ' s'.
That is 12 h 36 min
